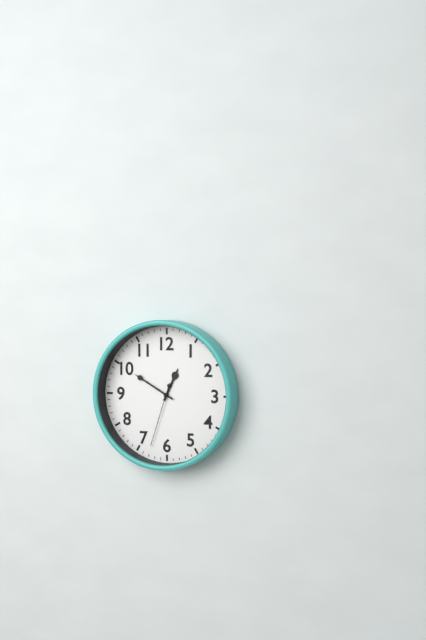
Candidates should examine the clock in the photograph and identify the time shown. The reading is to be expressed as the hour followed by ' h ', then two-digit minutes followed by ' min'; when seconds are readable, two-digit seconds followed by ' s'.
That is 12 h 50 min 33 s
